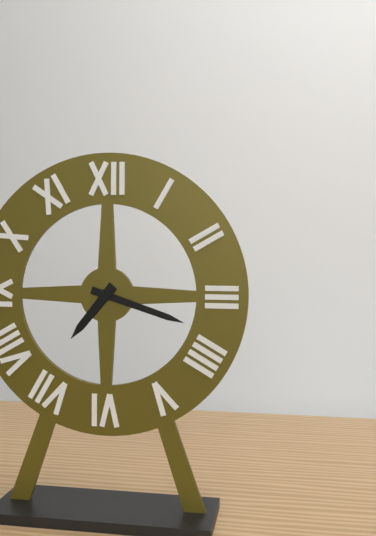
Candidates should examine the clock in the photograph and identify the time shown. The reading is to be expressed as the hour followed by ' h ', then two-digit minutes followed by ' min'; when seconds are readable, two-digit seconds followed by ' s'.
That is 7 h 18 min
